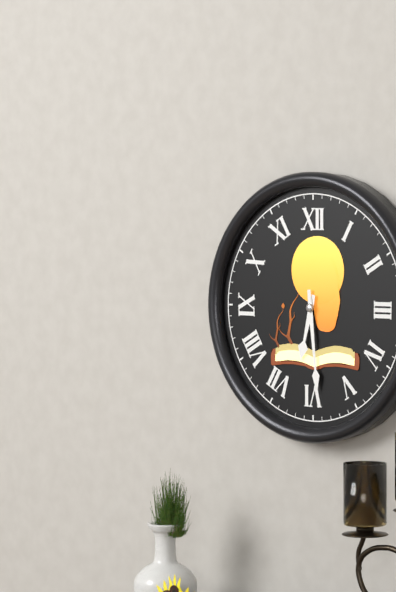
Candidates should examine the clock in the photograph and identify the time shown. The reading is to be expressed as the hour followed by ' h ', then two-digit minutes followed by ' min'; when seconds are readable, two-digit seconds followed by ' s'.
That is 6 h 29 min
